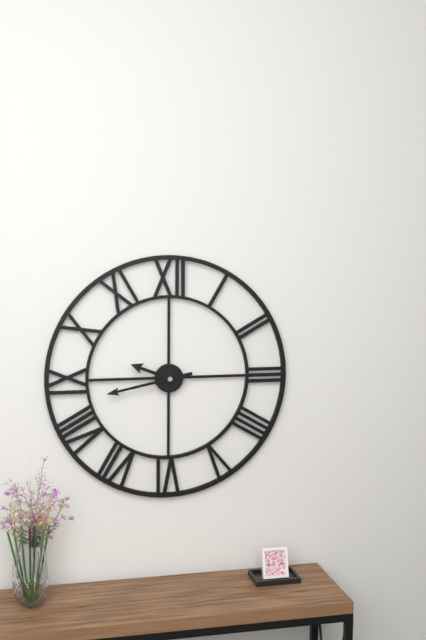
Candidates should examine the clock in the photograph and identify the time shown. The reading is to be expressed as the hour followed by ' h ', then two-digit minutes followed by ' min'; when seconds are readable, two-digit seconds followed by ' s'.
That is 9 h 43 min
